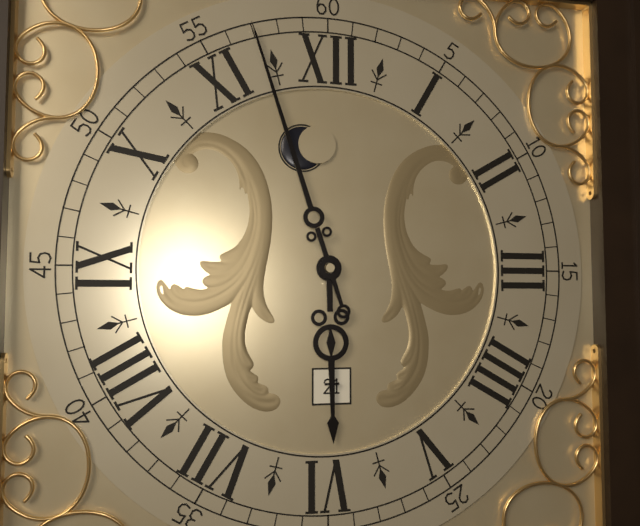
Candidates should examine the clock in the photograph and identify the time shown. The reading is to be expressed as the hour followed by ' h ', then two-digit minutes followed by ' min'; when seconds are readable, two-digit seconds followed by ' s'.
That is 5 h 57 min
